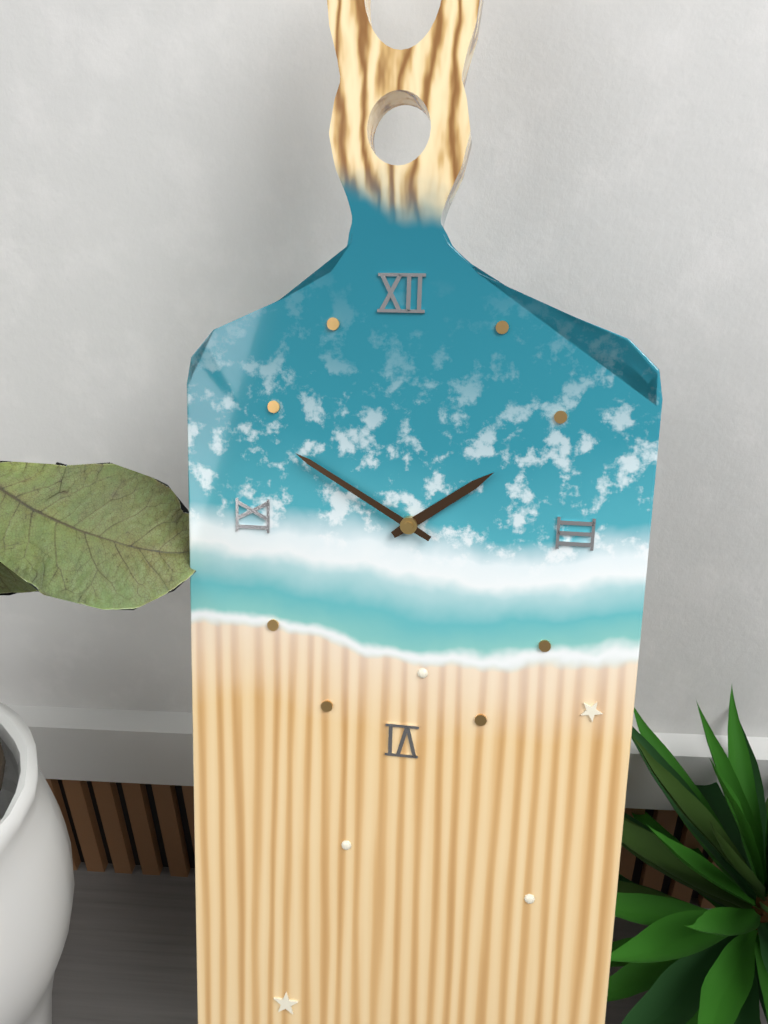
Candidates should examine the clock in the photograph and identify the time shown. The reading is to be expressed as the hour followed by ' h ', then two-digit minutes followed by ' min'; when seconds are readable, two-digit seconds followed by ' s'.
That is 1 h 50 min
